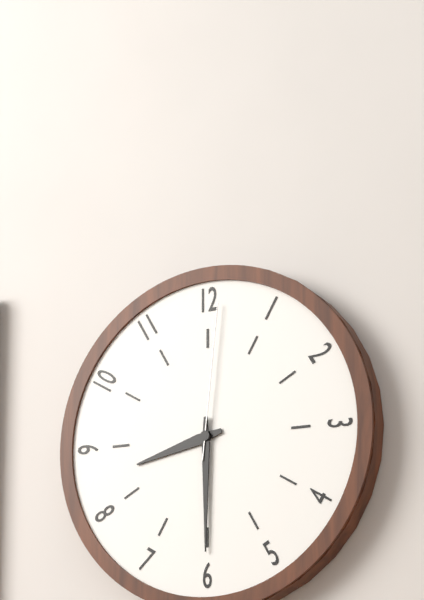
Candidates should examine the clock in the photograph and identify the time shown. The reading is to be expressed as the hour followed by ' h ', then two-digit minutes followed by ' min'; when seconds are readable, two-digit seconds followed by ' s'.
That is 8 h 30 min 01 s
